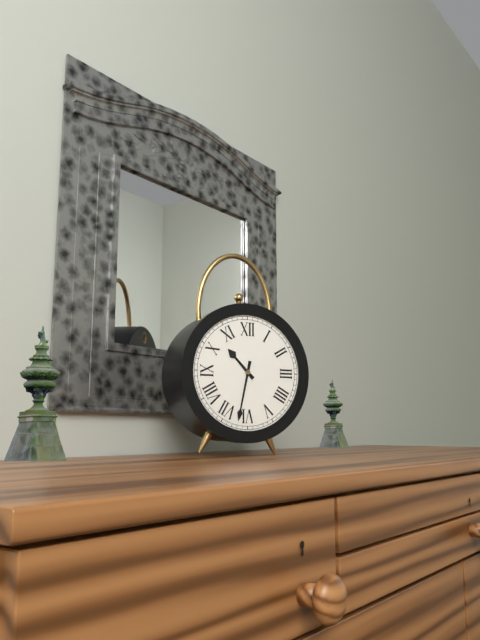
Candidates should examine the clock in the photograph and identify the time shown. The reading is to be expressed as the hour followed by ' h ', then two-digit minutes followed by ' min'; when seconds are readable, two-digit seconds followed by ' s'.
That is 10 h 32 min
